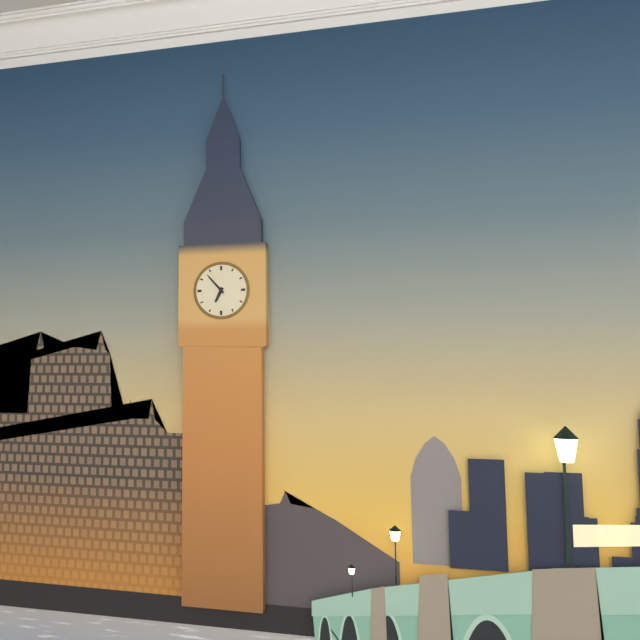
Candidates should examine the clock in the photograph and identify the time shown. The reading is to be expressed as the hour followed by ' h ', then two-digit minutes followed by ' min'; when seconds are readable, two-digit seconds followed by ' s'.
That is 6 h 53 min
